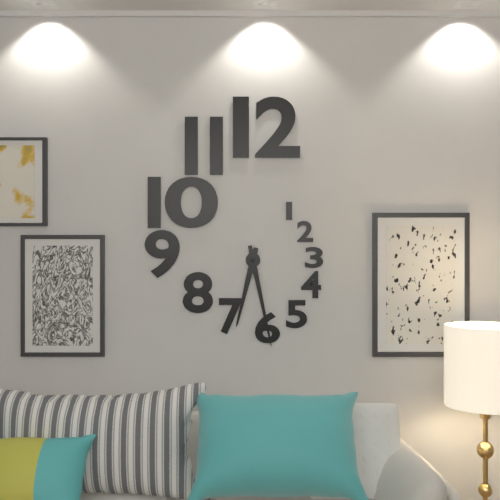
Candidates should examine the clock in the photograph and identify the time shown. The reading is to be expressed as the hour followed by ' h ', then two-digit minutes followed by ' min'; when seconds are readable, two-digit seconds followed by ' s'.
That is 6 h 28 min
